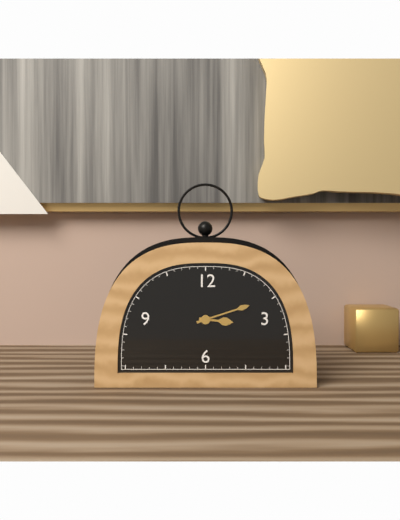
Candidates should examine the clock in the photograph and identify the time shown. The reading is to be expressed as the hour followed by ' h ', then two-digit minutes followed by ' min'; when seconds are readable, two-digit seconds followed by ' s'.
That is 3 h 12 min
